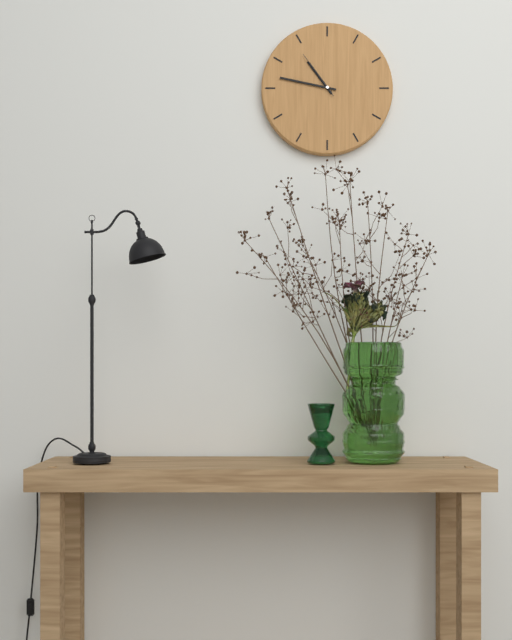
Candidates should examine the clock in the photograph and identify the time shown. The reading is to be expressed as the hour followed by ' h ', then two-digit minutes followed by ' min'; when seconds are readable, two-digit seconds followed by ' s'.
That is 10 h 47 min 54 s
